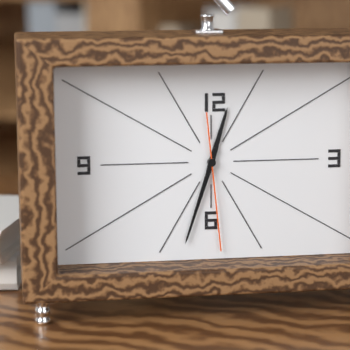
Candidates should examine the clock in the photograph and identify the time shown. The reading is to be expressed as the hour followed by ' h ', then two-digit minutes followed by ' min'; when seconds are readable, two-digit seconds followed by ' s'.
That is 12 h 33 min 29 s
